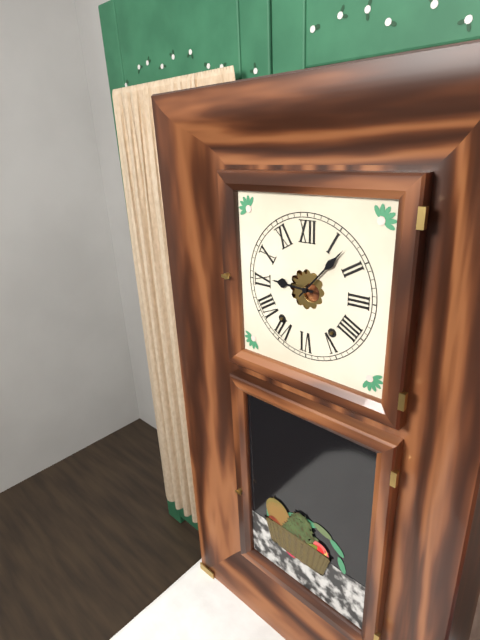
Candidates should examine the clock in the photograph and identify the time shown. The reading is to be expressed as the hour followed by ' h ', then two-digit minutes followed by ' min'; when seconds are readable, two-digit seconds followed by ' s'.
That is 9 h 07 min
